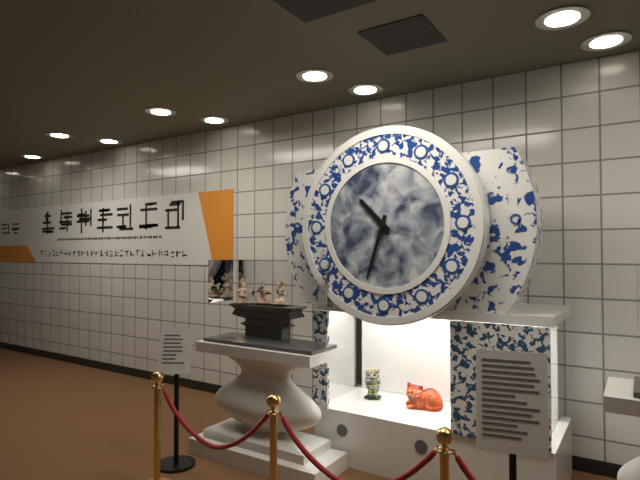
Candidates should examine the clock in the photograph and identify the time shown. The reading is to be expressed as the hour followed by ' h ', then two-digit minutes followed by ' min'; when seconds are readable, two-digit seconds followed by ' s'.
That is 10 h 33 min
